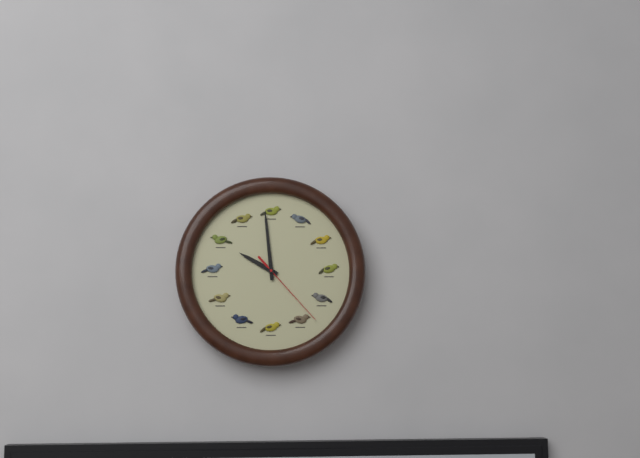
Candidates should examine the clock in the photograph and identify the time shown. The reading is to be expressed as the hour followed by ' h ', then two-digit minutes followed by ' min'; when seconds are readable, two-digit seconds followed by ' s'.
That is 9 h 59 min 23 s
